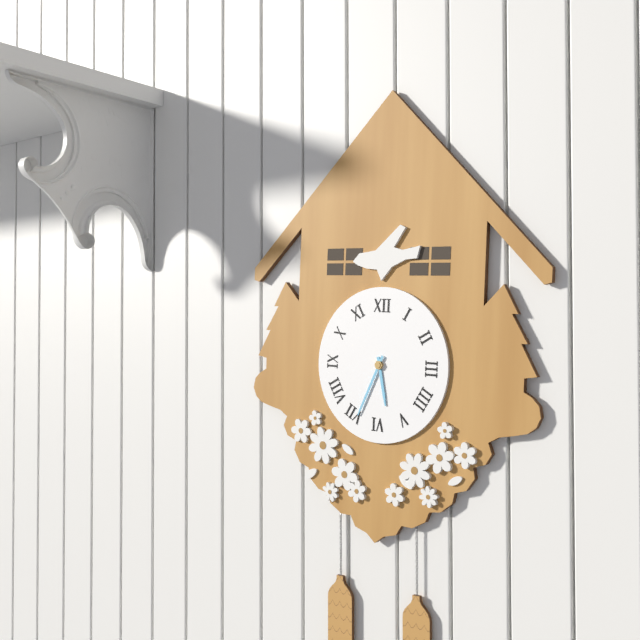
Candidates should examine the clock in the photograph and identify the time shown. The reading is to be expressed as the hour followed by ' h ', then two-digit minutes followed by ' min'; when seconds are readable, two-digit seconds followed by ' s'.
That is 5 h 34 min
